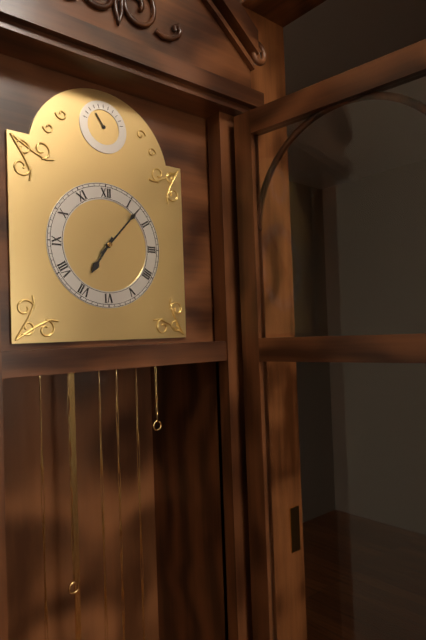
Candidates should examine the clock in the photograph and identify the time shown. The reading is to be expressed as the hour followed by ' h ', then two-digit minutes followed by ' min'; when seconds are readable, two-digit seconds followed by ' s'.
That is 7 h 07 min
